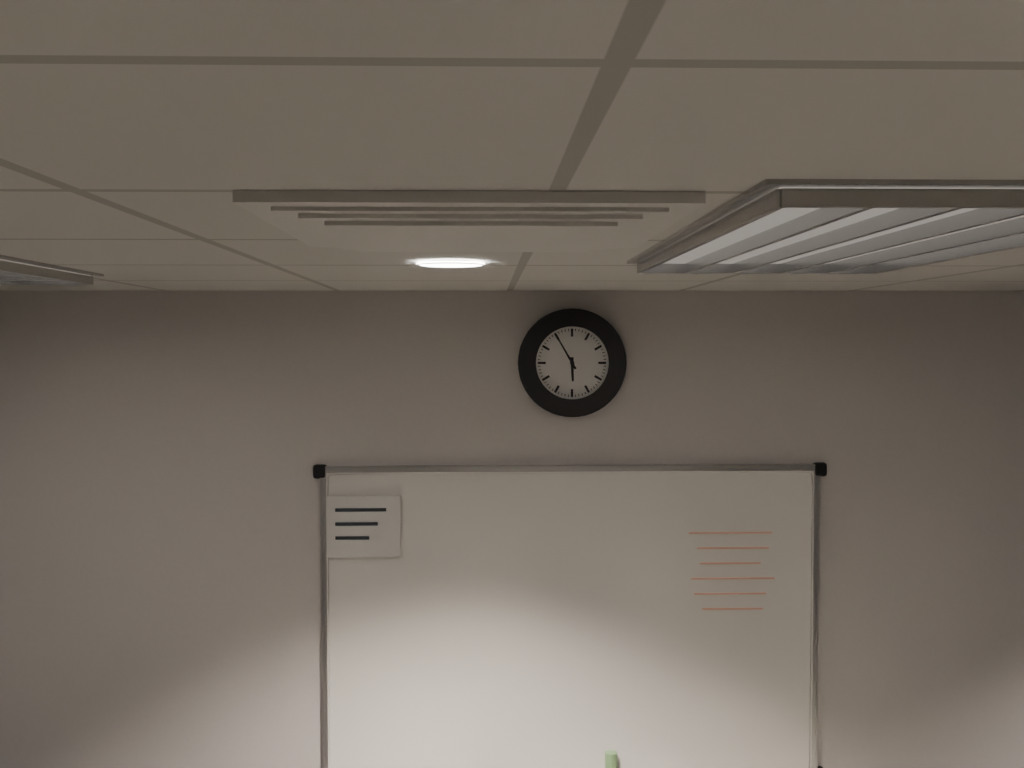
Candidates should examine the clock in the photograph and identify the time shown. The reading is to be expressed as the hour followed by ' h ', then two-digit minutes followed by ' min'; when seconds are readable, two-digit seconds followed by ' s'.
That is 5 h 55 min
